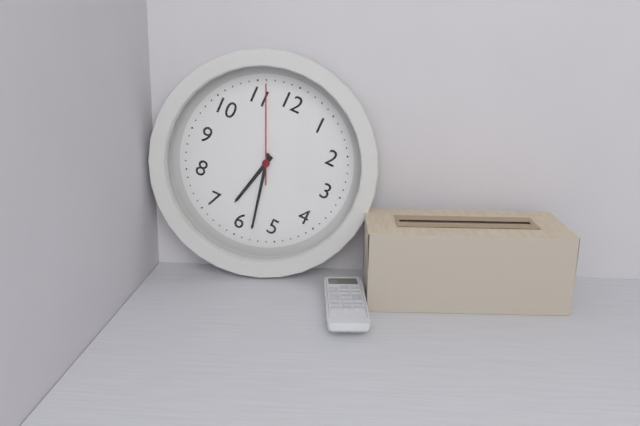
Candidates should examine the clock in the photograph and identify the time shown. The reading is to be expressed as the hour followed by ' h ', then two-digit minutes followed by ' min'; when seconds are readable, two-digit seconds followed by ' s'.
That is 6 h 28 min 56 s
